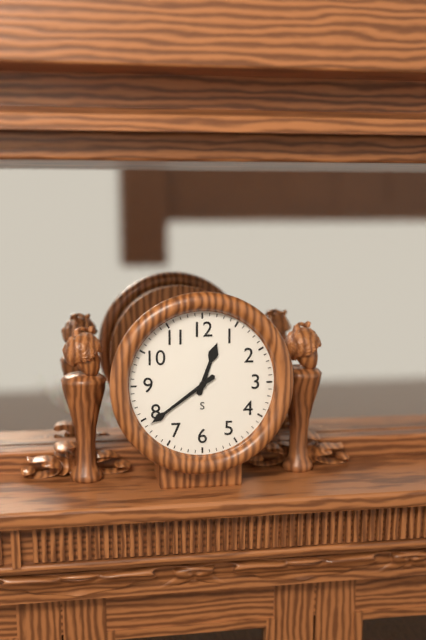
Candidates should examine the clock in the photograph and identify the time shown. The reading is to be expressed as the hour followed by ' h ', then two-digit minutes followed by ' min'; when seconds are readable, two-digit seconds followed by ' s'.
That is 12 h 39 min
